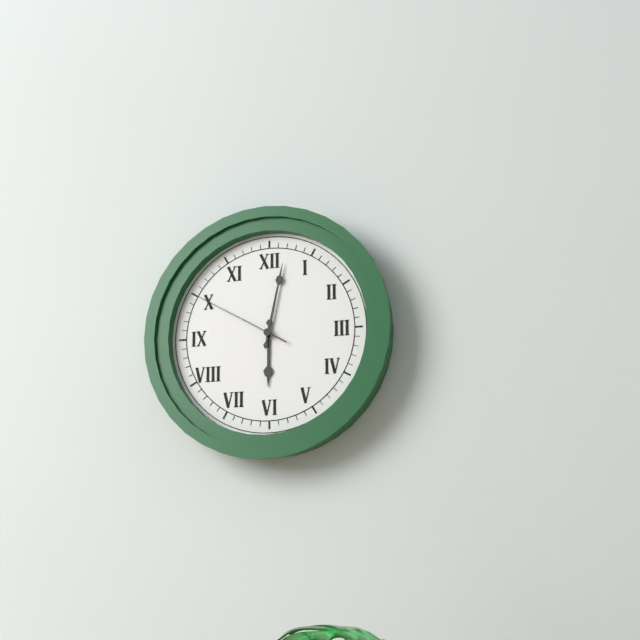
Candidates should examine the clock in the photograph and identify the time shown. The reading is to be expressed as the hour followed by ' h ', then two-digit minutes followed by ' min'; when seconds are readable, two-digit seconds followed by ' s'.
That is 6 h 02 min 50 s
